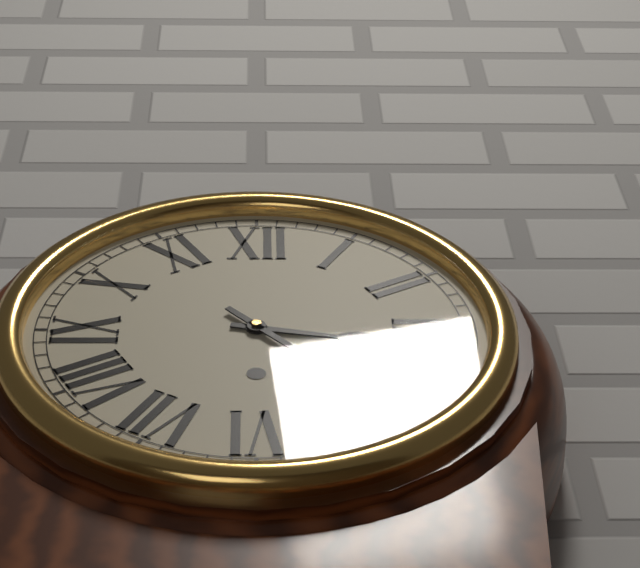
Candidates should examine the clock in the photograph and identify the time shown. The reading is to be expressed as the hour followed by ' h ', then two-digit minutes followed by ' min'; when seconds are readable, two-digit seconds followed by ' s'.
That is 3 h 23 min
